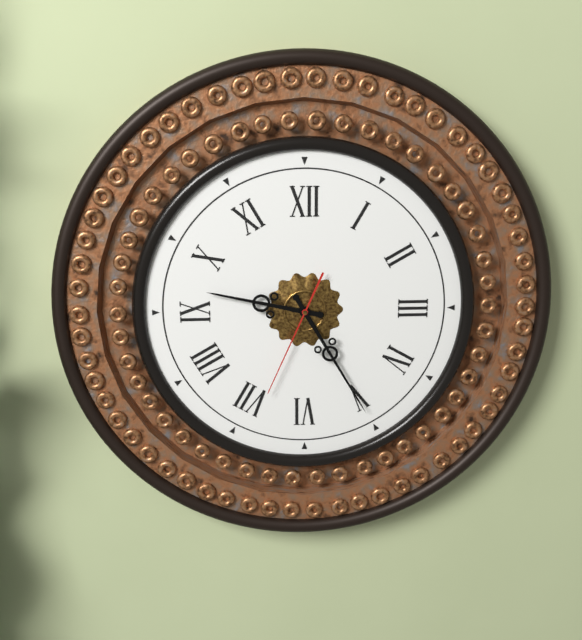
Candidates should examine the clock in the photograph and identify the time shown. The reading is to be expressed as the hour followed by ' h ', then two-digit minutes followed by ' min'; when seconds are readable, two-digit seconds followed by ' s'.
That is 9 h 25 min 34 s
